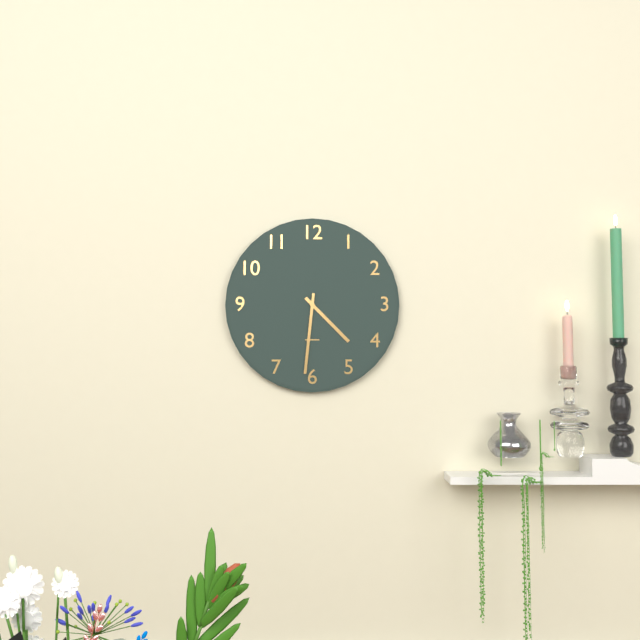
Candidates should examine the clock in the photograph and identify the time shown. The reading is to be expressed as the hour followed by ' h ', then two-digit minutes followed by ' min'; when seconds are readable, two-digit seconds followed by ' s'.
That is 4 h 31 min
